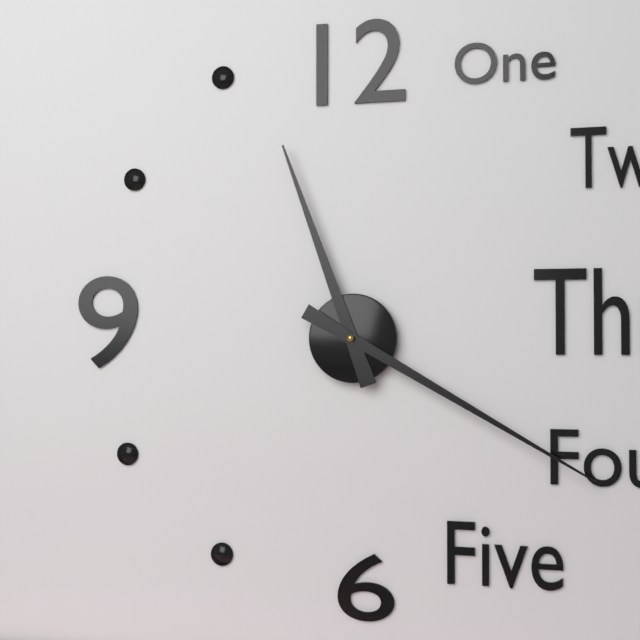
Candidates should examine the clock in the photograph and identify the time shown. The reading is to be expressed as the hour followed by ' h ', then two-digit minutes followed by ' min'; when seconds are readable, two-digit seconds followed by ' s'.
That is 11 h 20 min
